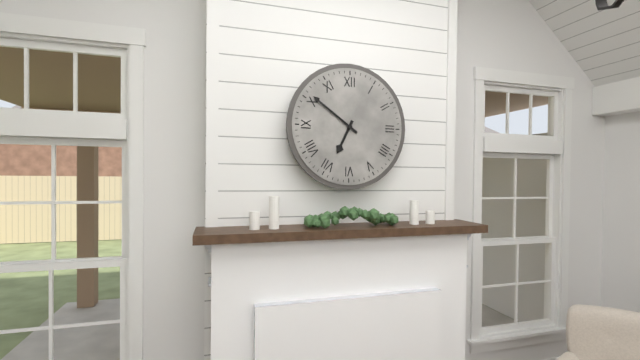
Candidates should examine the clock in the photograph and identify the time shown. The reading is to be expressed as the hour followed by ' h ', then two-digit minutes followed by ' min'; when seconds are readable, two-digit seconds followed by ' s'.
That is 6 h 51 min
